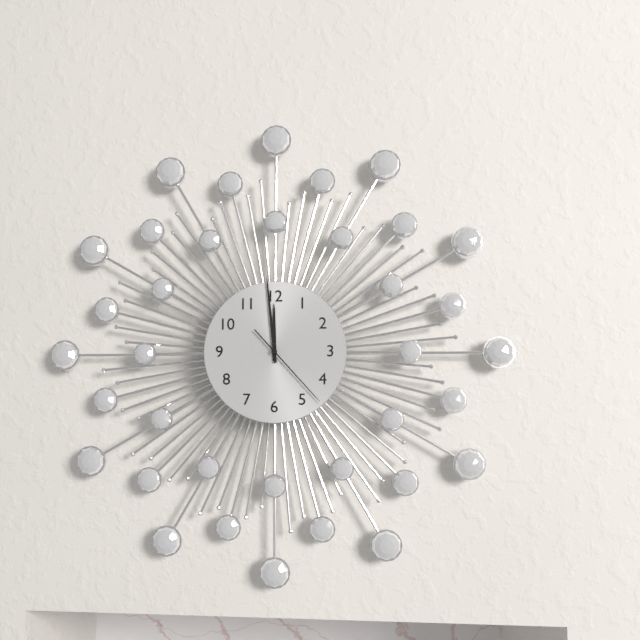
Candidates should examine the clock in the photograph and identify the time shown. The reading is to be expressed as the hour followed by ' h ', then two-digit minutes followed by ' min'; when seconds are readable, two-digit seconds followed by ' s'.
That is 11 h 59 min 23 s
